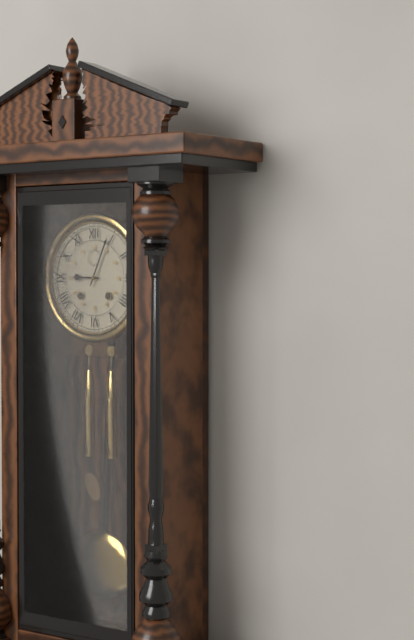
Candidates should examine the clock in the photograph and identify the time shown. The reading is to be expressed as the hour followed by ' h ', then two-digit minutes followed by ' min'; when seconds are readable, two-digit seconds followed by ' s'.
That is 9 h 04 min
